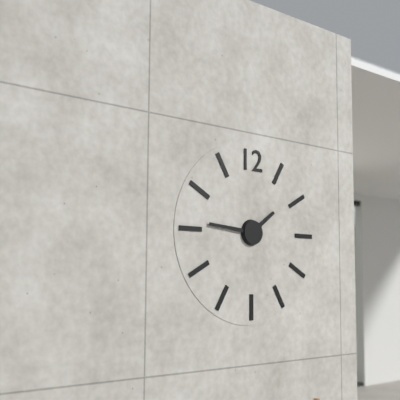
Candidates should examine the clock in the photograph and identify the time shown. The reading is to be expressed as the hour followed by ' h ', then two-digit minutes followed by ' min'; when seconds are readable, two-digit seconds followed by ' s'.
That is 1 h 46 min
